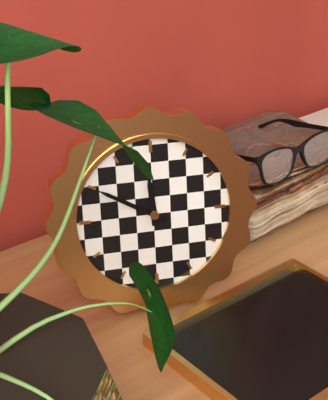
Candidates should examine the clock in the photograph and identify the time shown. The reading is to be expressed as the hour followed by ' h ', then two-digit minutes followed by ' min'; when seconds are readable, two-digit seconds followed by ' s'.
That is 11 h 50 min
